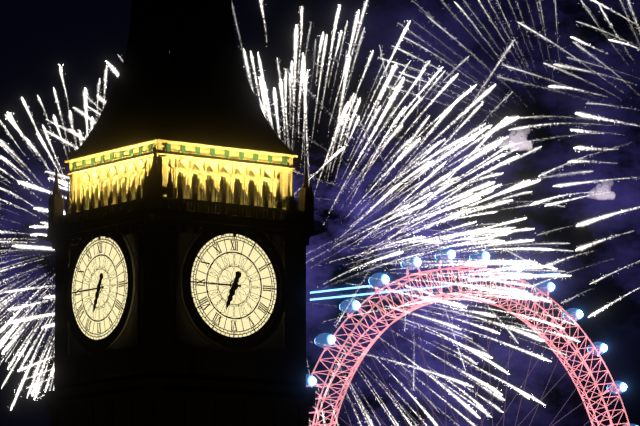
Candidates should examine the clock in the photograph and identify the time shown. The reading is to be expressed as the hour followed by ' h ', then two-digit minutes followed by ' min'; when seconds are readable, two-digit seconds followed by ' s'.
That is 6 h 45 min
